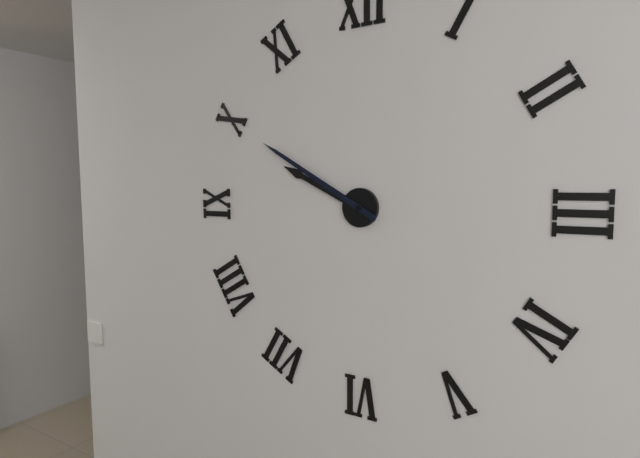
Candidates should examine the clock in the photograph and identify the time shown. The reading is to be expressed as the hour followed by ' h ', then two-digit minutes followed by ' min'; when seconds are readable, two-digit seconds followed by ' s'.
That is 9 h 50 min
